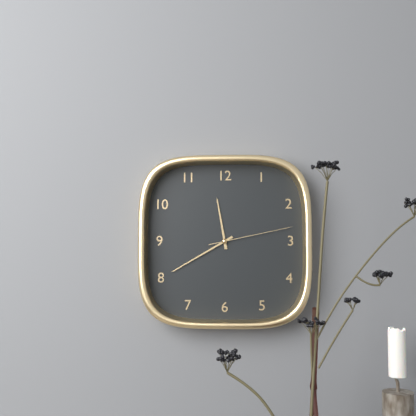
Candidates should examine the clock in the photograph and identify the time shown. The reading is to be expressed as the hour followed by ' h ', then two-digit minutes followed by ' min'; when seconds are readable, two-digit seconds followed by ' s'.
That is 11 h 40 min 13 s
